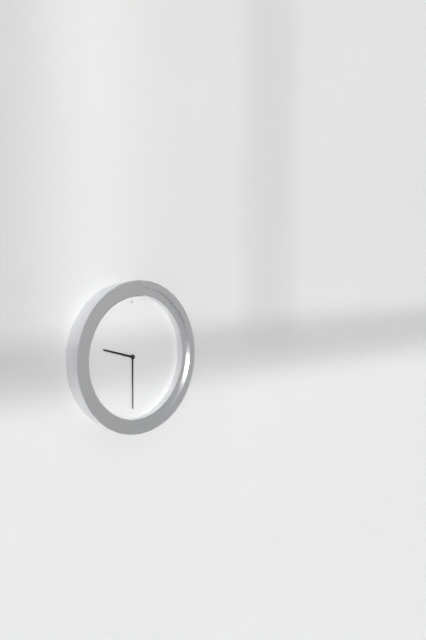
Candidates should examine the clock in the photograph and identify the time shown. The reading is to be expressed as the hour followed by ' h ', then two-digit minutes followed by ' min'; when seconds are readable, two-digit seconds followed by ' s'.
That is 9 h 30 min
